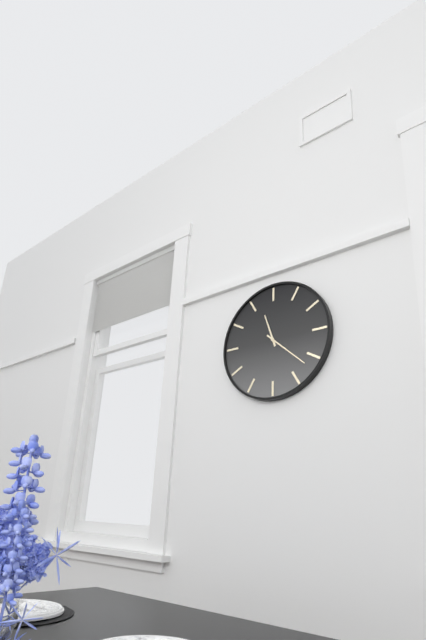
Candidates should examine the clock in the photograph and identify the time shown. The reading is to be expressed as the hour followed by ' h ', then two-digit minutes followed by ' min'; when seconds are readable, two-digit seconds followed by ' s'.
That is 11 h 22 min
